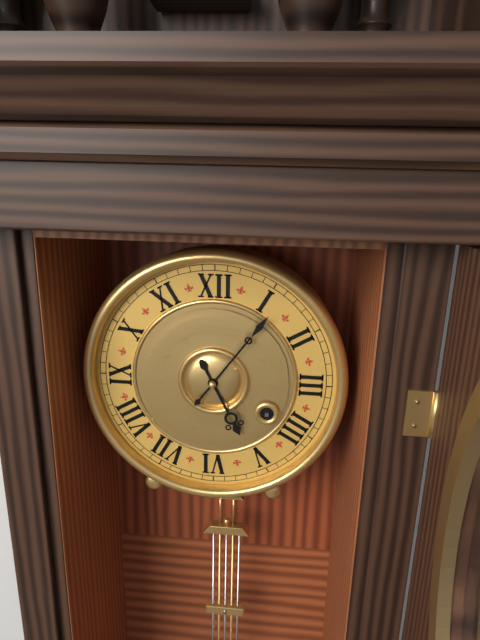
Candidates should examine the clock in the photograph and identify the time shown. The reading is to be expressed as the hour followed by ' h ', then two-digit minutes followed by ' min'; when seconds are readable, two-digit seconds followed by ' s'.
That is 5 h 06 min
